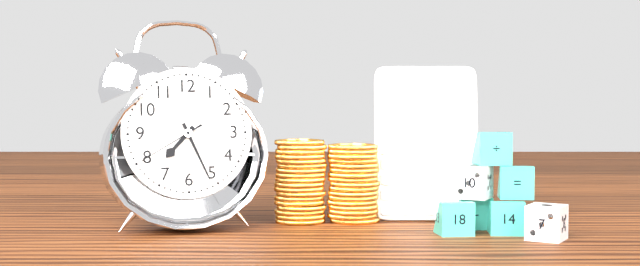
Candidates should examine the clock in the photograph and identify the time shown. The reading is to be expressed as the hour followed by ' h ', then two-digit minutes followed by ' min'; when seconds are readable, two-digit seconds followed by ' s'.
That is 7 h 26 min 40 s
